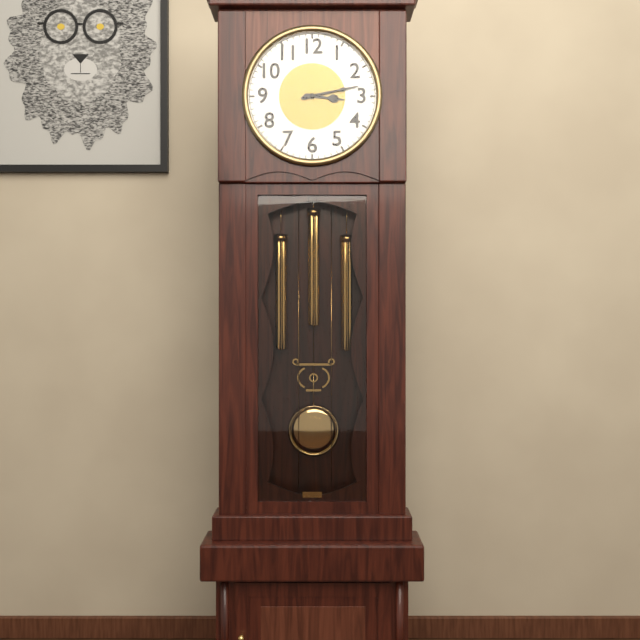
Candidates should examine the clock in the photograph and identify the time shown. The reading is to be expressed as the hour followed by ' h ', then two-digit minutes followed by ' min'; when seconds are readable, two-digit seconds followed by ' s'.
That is 3 h 13 min
